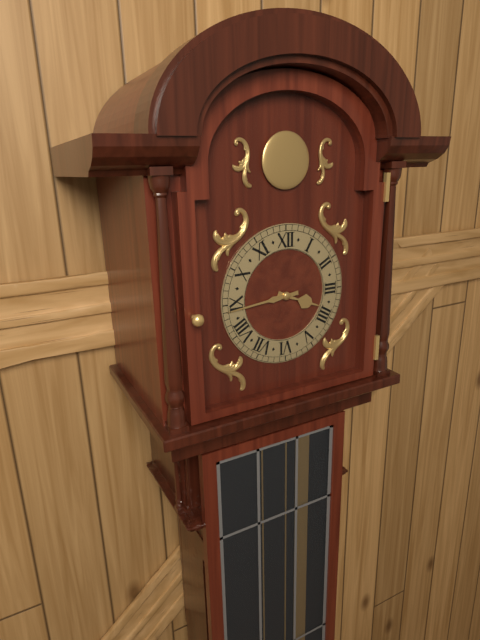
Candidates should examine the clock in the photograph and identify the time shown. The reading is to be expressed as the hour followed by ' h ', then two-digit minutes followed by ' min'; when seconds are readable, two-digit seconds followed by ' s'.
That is 3 h 44 min
